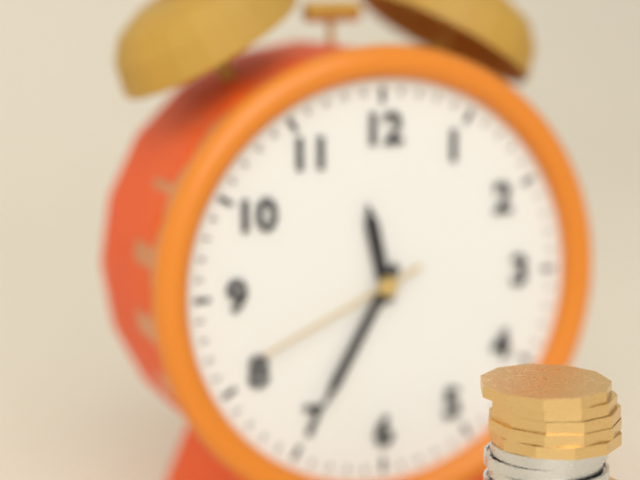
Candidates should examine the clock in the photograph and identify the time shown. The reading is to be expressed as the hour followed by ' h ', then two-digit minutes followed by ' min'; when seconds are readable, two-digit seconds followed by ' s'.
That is 11 h 35 min 41 s
